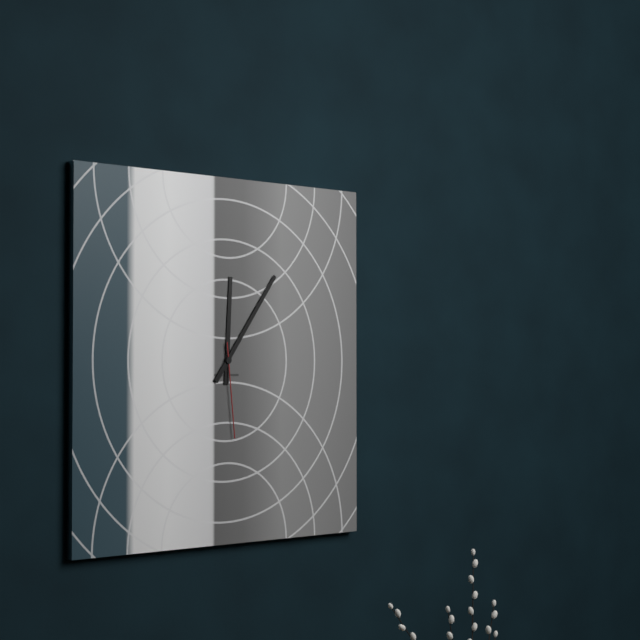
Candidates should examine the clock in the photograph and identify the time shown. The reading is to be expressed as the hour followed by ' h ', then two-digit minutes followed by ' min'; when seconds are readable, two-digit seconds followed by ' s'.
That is 12 h 06 min 29 s
